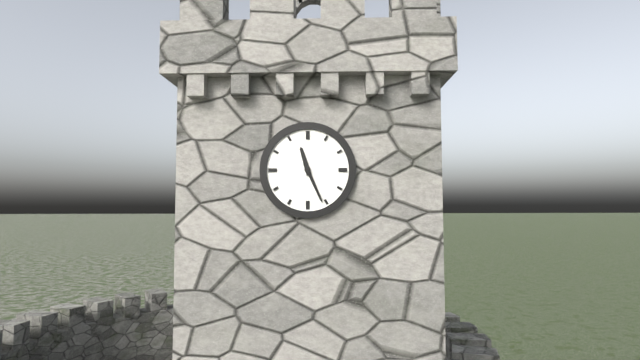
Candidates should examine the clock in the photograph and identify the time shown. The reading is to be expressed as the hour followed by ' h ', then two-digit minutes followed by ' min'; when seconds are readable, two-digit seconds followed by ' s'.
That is 11 h 26 min
